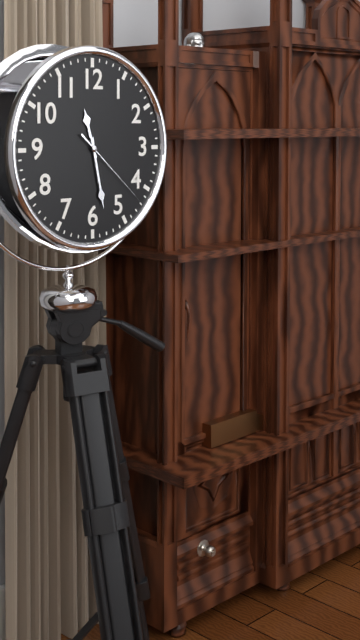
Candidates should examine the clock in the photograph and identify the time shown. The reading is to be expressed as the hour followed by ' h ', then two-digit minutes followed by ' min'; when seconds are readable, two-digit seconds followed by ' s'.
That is 11 h 28 min 22 s
